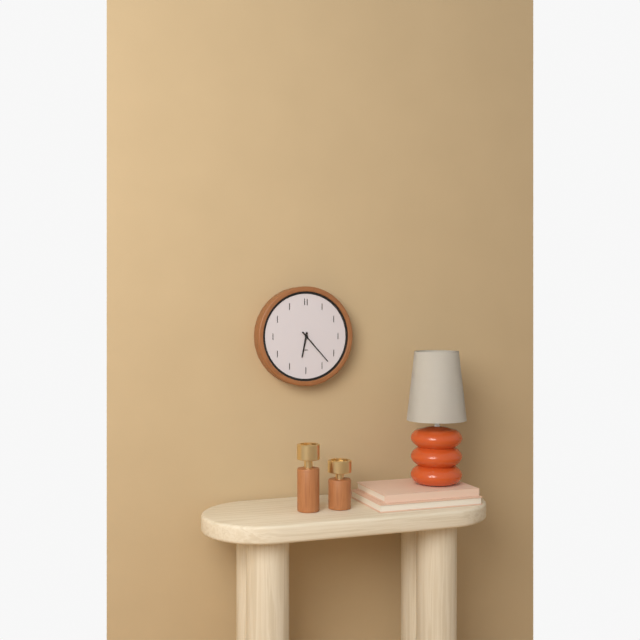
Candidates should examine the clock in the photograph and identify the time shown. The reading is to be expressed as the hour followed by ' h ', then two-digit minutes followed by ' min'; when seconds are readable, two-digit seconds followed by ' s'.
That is 6 h 23 min
